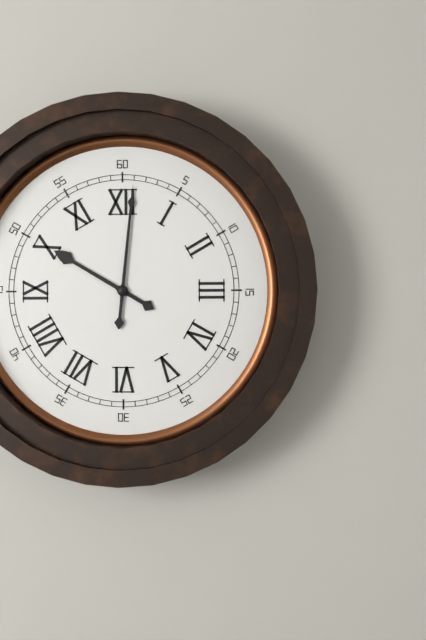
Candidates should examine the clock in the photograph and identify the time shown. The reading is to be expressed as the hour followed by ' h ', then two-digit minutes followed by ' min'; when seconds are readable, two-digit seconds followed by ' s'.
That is 10 h 01 min
